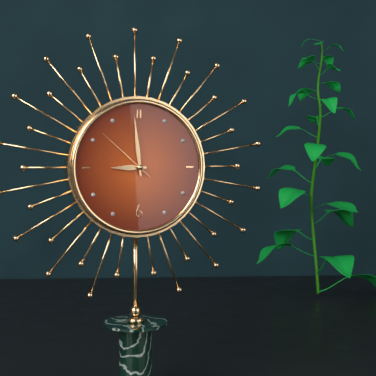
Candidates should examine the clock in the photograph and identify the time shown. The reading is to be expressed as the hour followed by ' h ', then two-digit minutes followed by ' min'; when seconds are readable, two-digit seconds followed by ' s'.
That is 8 h 59 min 52 s
